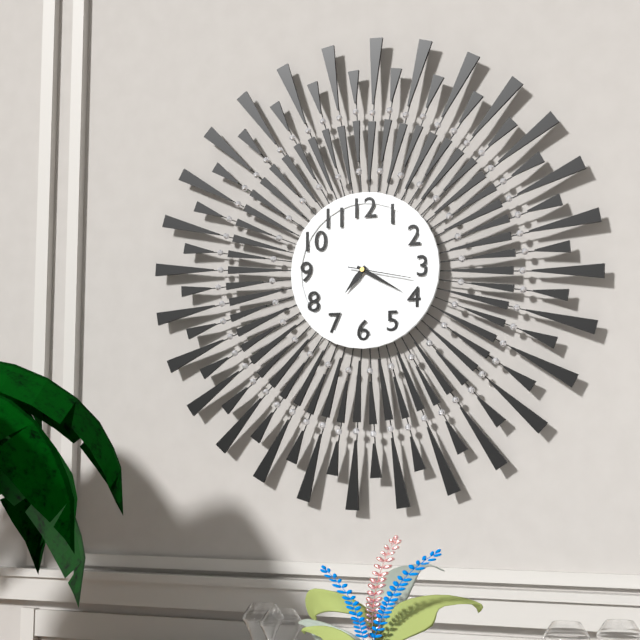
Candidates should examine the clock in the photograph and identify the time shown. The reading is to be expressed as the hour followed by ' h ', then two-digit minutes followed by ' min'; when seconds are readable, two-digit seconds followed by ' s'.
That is 7 h 20 min 17 s
